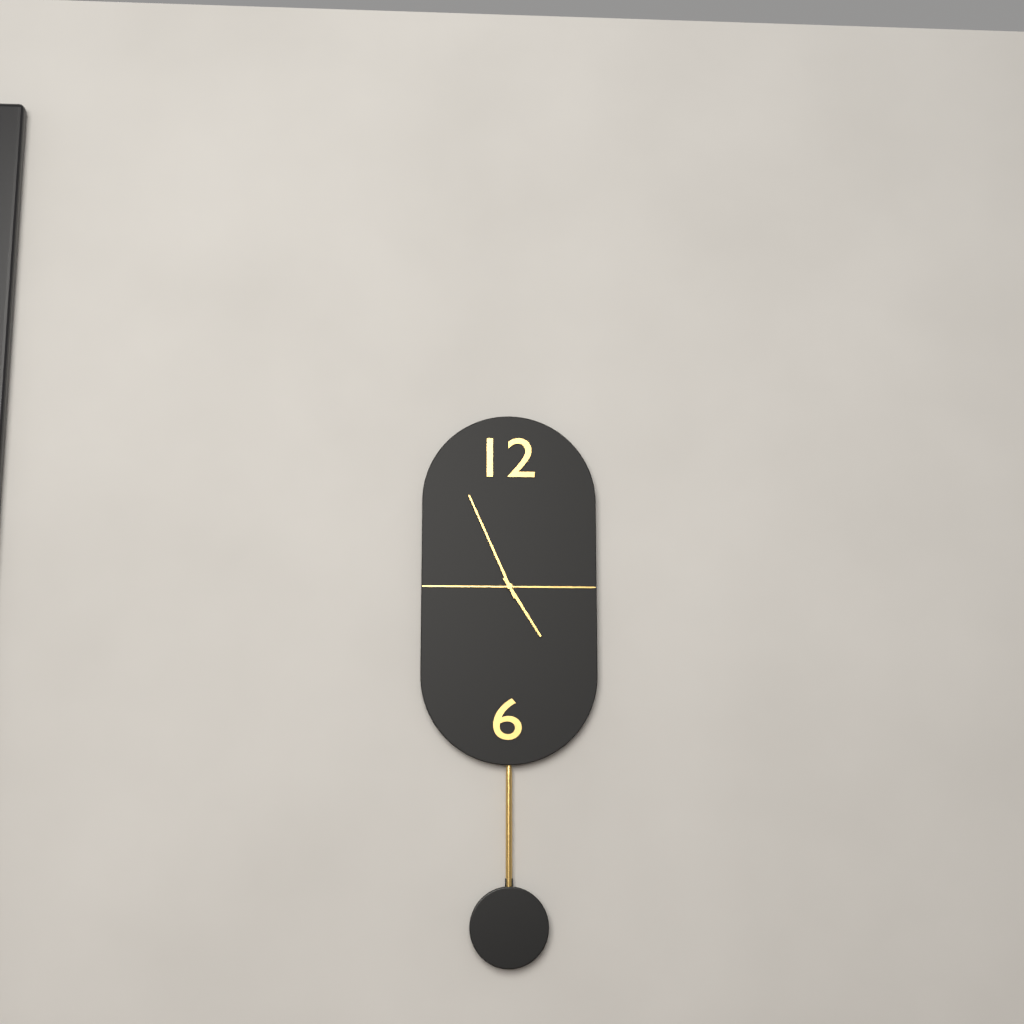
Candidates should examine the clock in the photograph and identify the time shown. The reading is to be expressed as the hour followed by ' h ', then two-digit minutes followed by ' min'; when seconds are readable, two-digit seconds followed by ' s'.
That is 4 h 56 min
